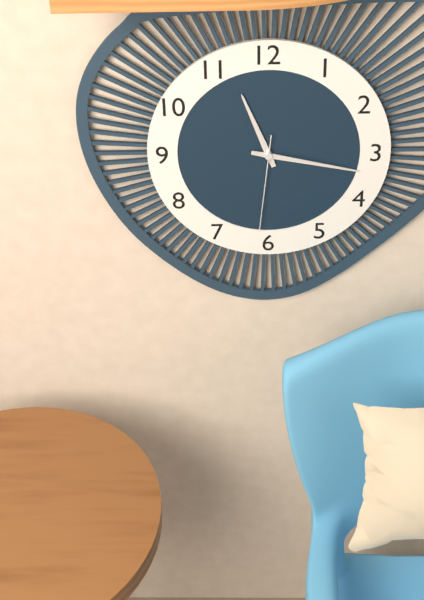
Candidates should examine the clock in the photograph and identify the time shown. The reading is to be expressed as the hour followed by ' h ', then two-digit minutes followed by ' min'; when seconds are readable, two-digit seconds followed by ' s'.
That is 11 h 17 min 31 s
